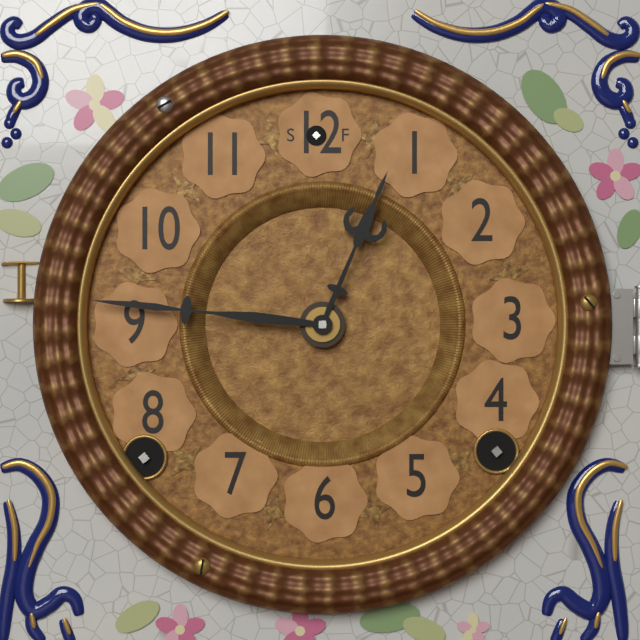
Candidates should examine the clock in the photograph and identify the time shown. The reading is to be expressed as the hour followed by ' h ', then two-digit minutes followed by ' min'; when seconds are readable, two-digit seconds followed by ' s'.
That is 12 h 46 min
